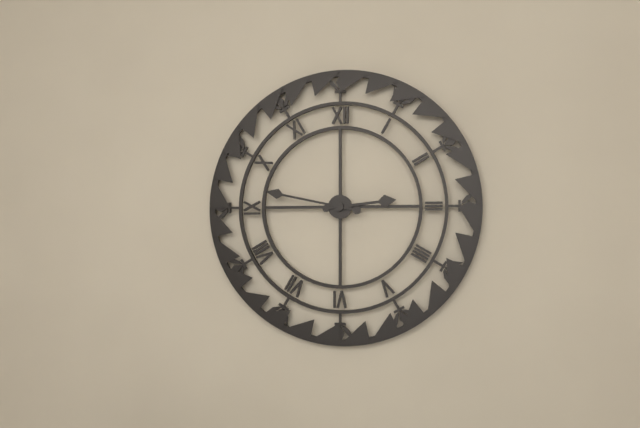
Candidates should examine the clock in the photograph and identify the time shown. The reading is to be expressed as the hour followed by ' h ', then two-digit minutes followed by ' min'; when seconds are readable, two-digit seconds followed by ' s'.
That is 2 h 47 min
